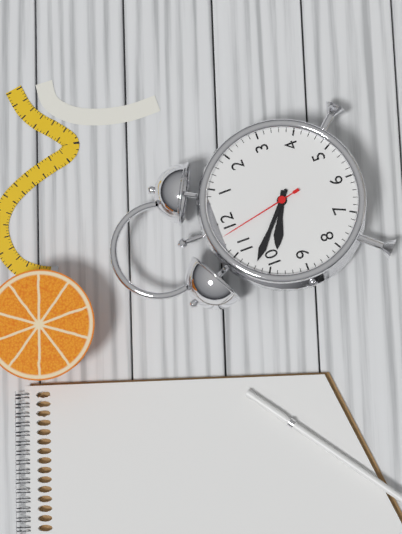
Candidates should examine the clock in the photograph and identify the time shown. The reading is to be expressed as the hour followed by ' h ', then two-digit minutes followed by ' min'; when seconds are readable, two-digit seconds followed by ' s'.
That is 9 h 52 min 58 s
